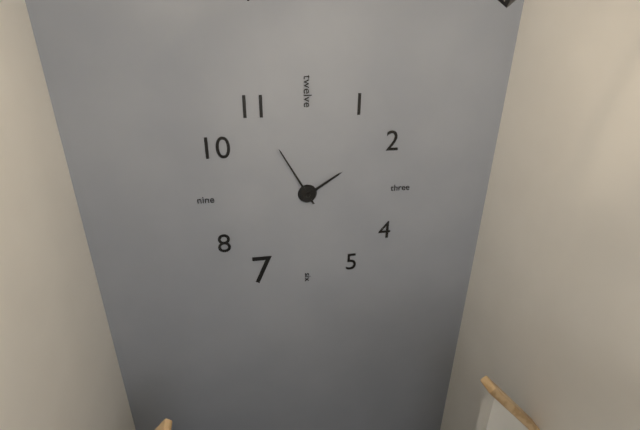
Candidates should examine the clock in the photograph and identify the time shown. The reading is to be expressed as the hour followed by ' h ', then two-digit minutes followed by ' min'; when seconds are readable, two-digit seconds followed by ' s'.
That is 1 h 55 min
